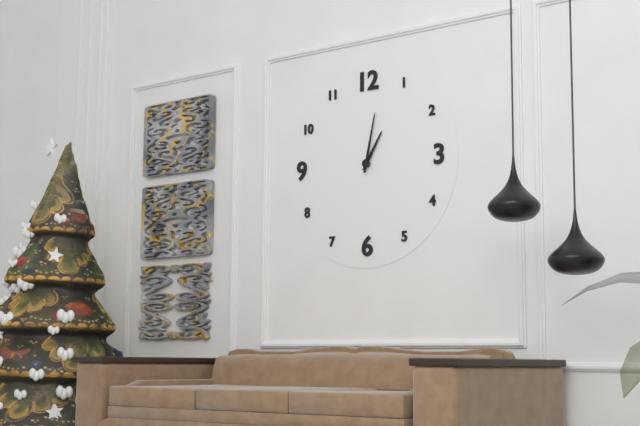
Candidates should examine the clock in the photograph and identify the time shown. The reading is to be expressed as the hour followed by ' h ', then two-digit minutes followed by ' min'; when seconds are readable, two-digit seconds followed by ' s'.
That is 1 h 02 min
